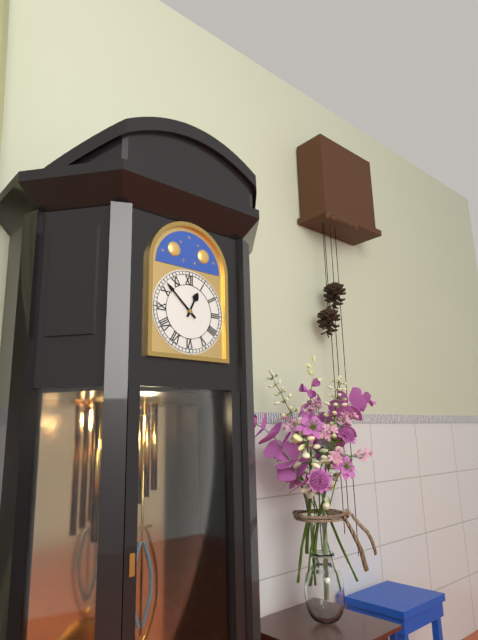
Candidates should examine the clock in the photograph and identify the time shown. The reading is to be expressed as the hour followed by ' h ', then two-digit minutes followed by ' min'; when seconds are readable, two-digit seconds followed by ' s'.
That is 12 h 52 min
